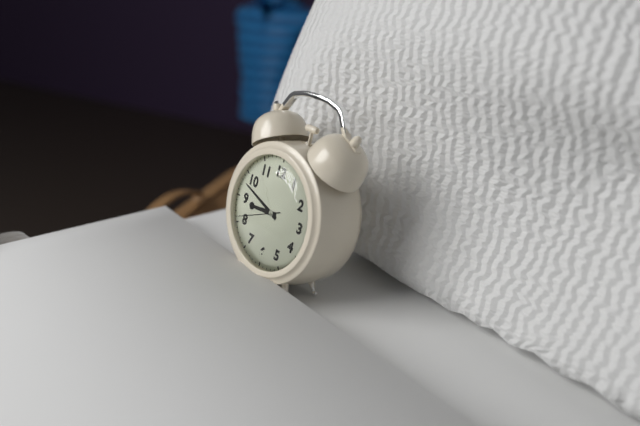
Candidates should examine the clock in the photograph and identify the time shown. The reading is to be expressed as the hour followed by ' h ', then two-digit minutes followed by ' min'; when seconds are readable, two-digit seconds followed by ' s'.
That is 8 h 48 min
